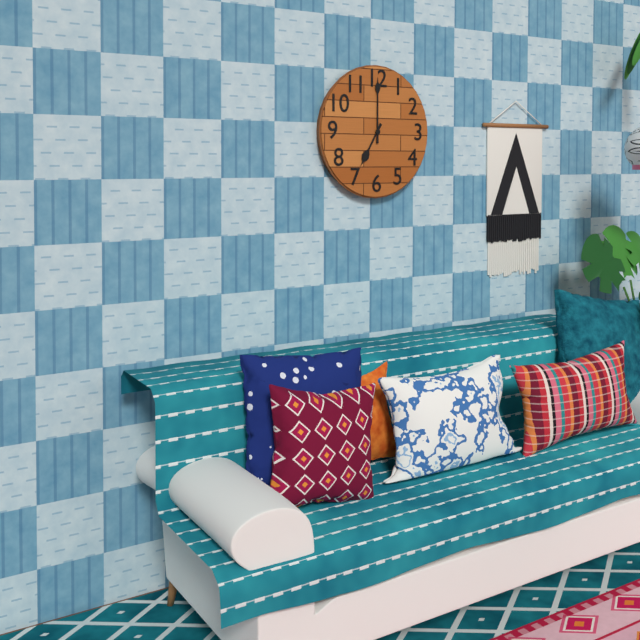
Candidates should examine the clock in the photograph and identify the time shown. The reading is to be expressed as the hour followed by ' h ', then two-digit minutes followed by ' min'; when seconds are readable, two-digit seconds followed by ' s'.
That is 7 h 00 min
